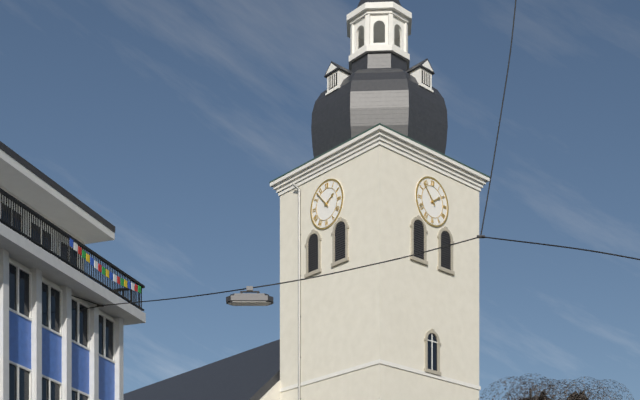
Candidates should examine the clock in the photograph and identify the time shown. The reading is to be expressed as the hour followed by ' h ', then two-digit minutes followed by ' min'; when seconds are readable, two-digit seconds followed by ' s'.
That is 1 h 53 min
